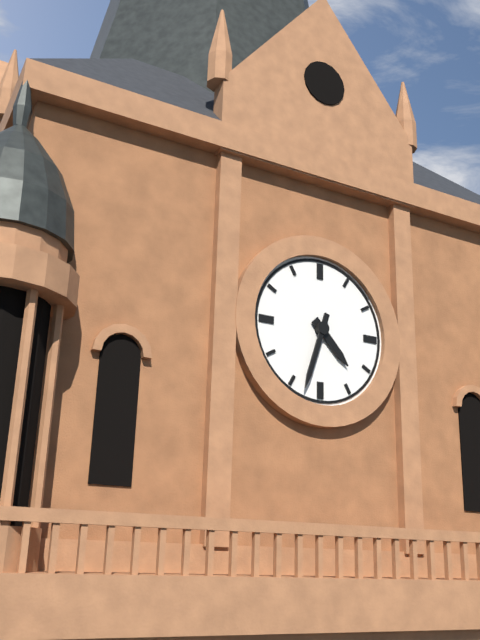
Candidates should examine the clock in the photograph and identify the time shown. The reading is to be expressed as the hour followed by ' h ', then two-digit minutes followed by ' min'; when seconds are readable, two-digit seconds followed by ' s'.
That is 4 h 33 min
